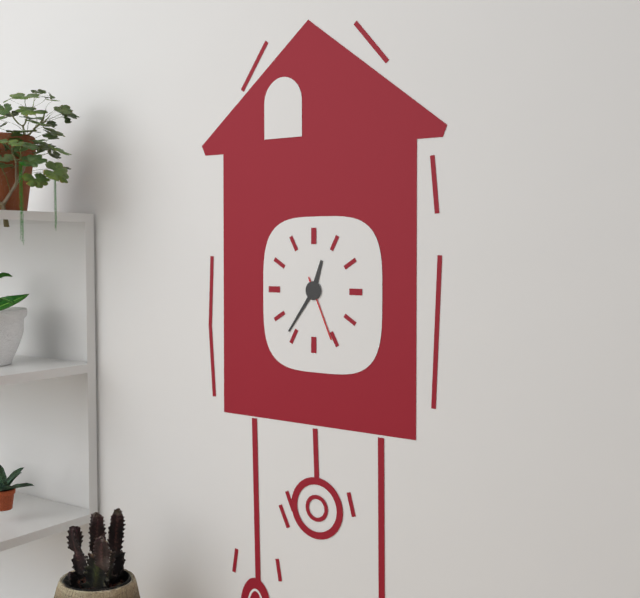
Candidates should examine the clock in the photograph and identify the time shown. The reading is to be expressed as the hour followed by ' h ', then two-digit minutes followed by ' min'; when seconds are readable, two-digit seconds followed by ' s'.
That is 12 h 36 min 26 s
